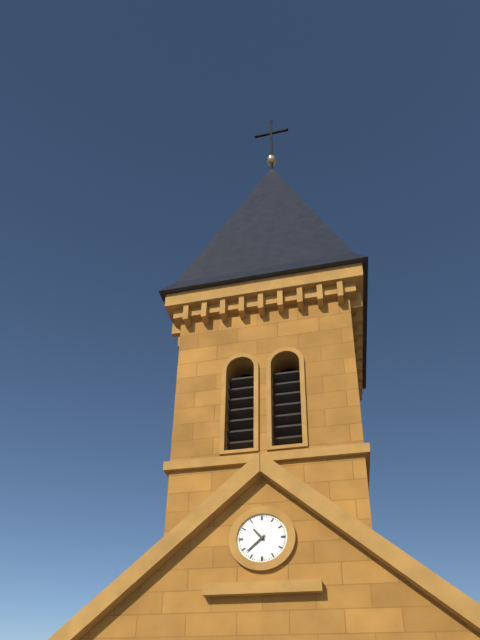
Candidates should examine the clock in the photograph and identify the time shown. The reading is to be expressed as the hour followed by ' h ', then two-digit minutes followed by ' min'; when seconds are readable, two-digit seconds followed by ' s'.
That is 10 h 38 min
